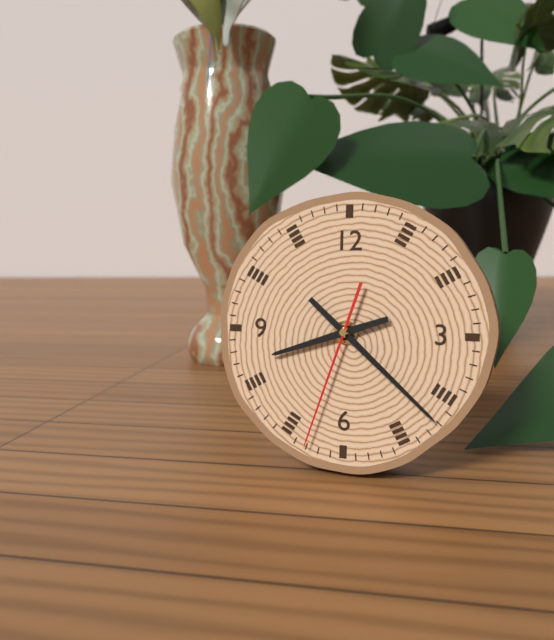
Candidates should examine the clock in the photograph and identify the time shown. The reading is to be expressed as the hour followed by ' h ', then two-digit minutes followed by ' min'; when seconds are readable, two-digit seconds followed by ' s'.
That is 8 h 22 min 33 s
